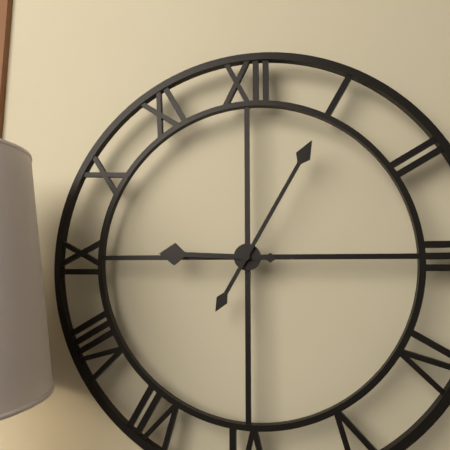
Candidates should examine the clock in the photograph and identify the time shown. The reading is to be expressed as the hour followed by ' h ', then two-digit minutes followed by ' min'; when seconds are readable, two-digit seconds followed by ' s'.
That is 9 h 05 min
